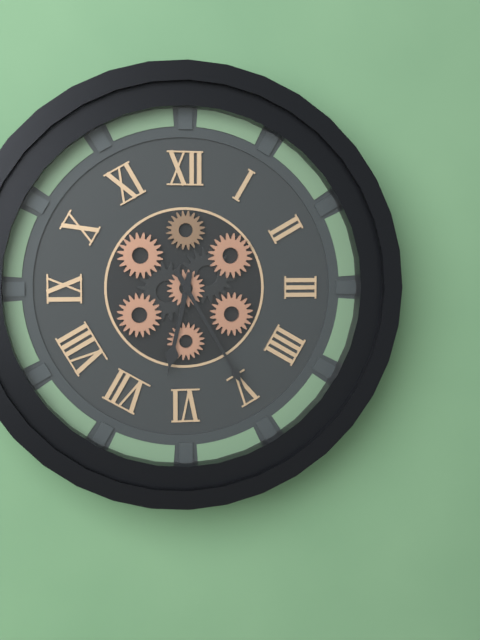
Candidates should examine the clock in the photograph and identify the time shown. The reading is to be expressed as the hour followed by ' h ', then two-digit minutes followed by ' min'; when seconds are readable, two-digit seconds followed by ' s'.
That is 6 h 25 min
